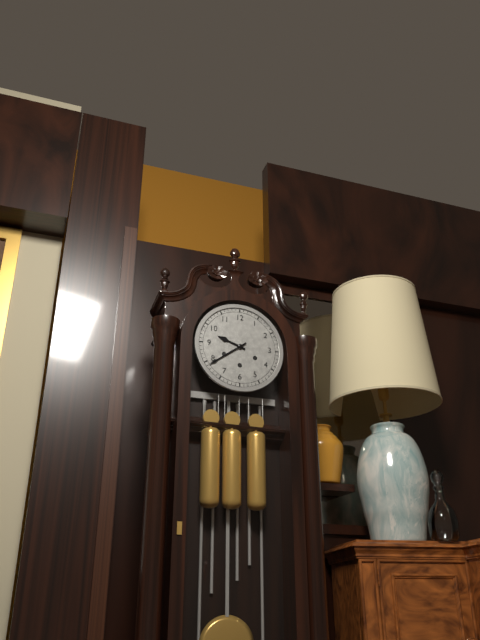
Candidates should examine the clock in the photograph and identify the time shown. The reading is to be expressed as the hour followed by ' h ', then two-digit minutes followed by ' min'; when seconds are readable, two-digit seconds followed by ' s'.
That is 9 h 39 min
